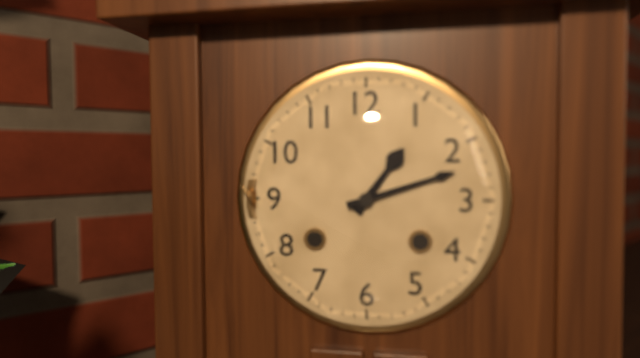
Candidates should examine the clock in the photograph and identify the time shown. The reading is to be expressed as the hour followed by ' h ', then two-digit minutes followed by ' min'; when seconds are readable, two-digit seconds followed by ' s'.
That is 1 h 12 min
